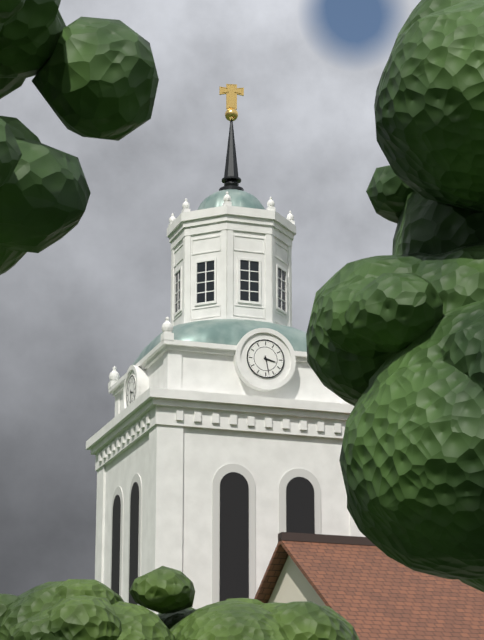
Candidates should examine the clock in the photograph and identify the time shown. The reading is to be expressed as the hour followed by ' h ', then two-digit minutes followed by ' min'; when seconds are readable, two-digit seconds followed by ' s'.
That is 3 h 28 min
